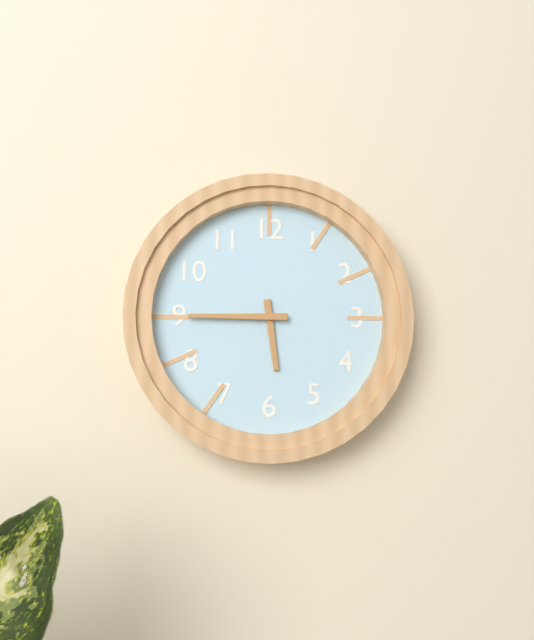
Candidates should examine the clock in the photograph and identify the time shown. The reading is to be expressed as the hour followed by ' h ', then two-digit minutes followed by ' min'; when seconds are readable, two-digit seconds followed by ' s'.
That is 5 h 45 min
